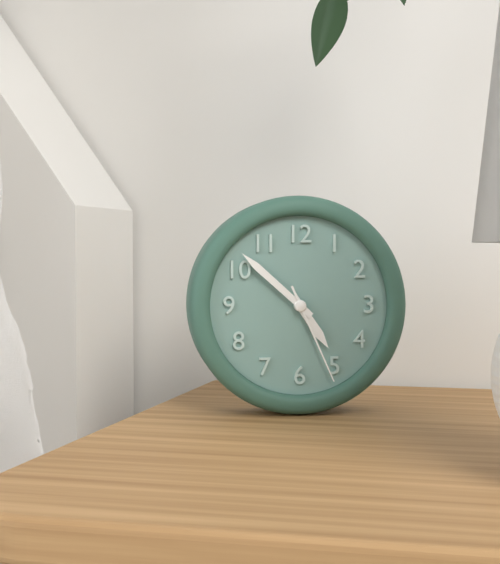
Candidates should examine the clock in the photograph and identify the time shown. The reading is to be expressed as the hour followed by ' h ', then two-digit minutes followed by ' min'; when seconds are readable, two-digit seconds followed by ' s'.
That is 4 h 52 min 26 s
